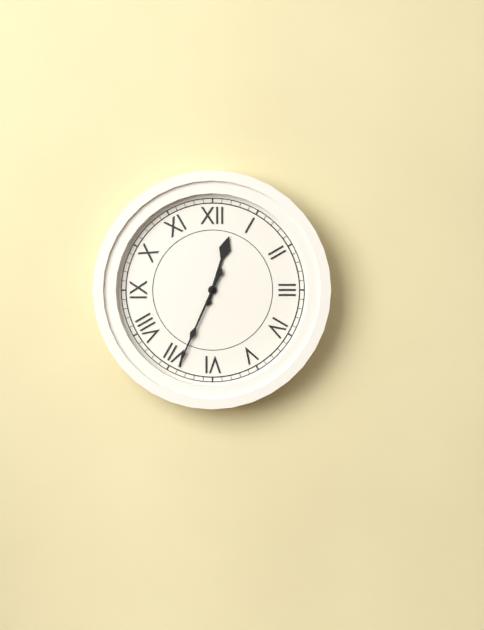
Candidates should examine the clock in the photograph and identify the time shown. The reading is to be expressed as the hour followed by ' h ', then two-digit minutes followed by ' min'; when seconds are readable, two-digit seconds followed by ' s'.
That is 12 h 34 min
